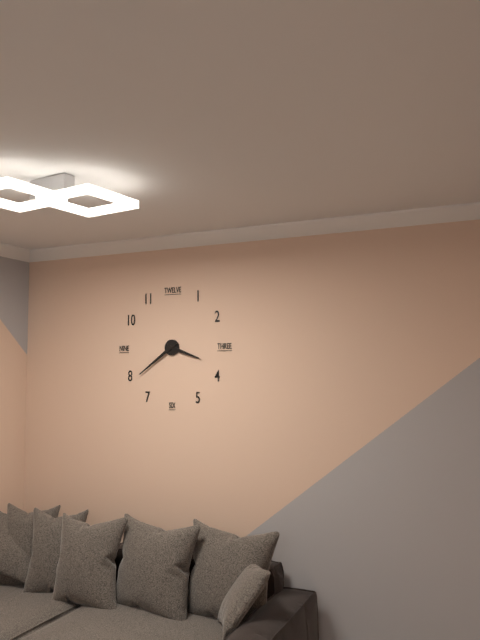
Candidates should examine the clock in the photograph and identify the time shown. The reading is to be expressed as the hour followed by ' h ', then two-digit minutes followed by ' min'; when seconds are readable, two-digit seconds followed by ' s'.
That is 3 h 39 min
